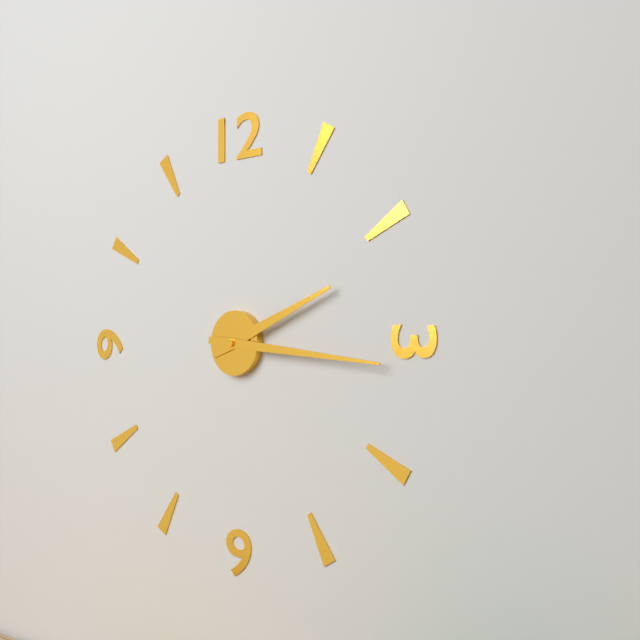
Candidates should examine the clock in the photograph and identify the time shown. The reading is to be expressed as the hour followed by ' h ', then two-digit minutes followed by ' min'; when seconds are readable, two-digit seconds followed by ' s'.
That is 2 h 16 min
